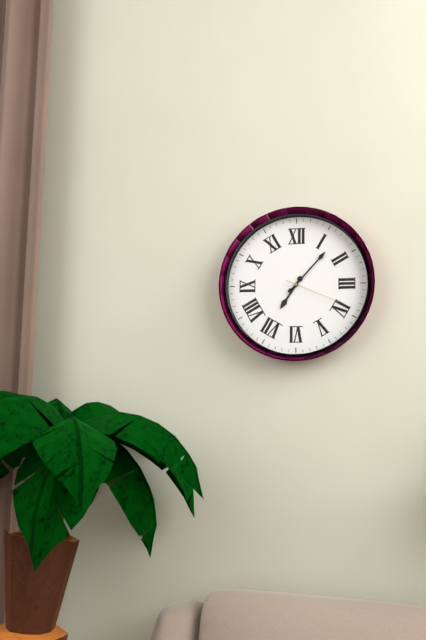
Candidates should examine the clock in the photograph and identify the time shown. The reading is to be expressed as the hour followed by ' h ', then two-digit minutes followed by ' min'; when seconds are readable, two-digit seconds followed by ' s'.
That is 7 h 07 min 19 s
